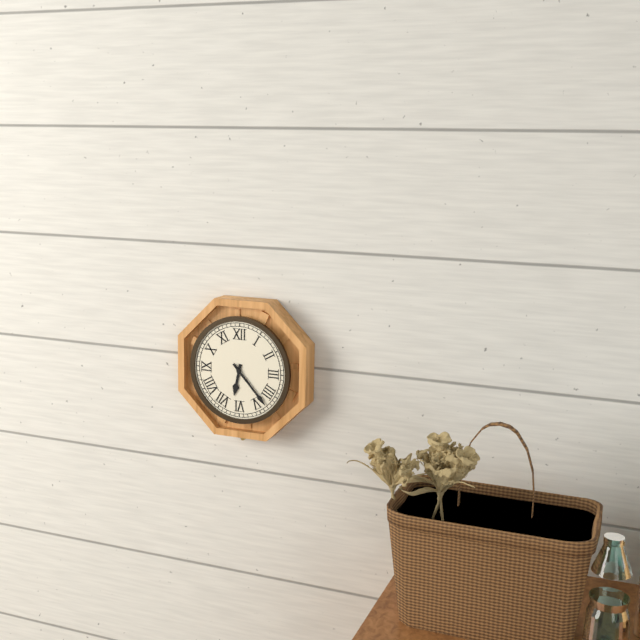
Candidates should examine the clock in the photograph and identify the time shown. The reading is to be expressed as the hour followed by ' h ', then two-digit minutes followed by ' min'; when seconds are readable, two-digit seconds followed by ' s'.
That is 6 h 23 min
